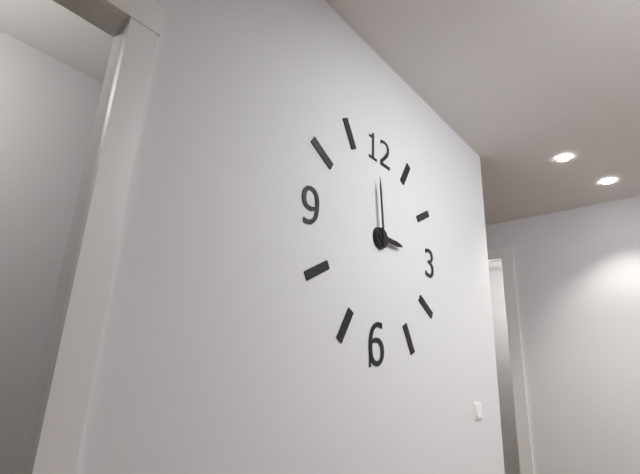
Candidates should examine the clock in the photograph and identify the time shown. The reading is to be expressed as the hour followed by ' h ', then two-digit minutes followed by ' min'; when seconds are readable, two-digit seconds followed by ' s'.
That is 2 h 59 min
